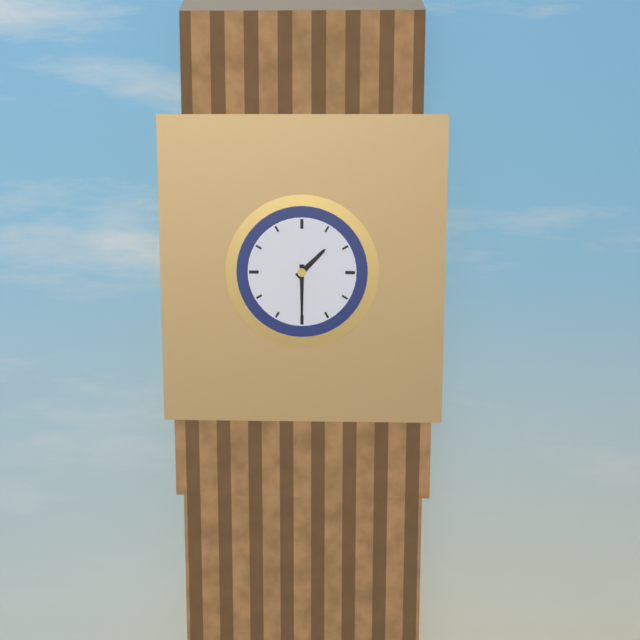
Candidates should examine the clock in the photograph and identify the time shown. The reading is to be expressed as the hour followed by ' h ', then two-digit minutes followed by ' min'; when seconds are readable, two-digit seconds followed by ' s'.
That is 1 h 30 min
